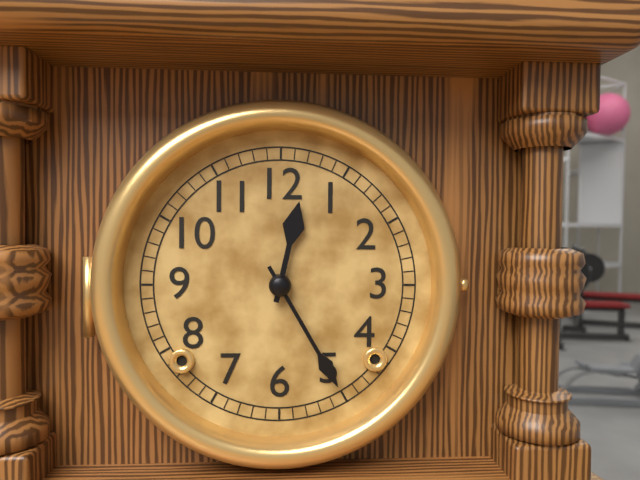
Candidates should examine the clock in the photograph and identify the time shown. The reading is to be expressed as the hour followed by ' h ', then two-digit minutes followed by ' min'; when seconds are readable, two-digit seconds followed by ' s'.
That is 12 h 25 min
